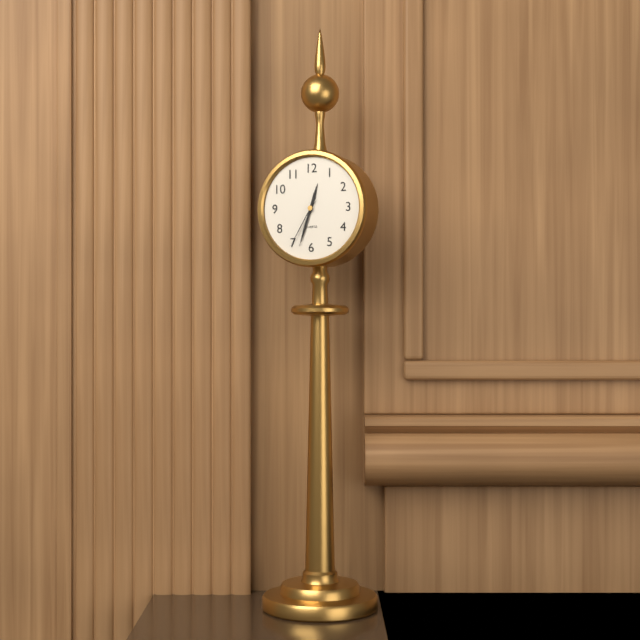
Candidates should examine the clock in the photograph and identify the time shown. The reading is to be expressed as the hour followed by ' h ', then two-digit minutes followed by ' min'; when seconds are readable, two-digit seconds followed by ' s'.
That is 12 h 33 min 35 s
